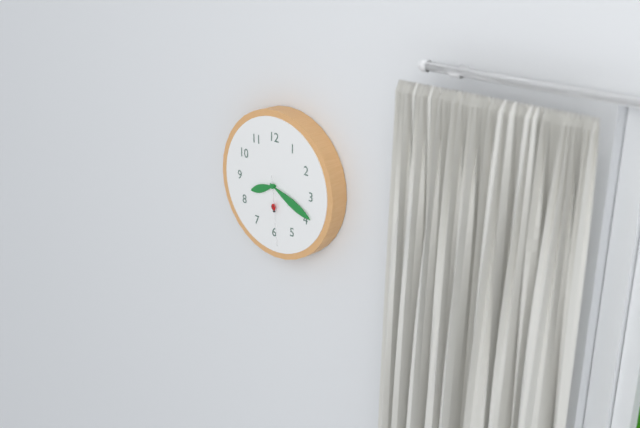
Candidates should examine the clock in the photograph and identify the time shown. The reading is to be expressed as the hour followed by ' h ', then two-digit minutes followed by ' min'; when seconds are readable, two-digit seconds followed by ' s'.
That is 8 h 19 min 29 s
